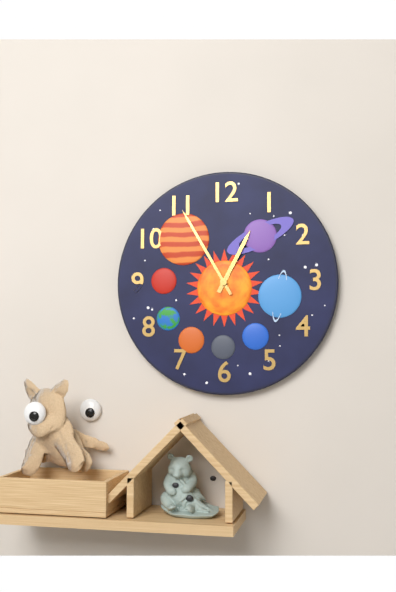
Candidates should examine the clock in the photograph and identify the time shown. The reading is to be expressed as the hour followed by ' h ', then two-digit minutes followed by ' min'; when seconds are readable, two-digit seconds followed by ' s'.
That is 12 h 55 min
